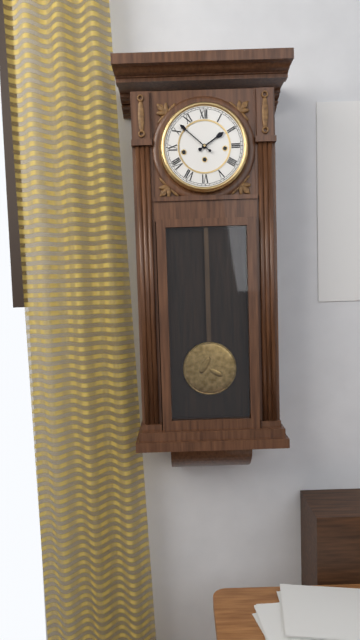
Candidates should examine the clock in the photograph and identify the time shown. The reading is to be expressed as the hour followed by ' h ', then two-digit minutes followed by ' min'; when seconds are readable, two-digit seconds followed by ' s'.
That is 1 h 52 min
